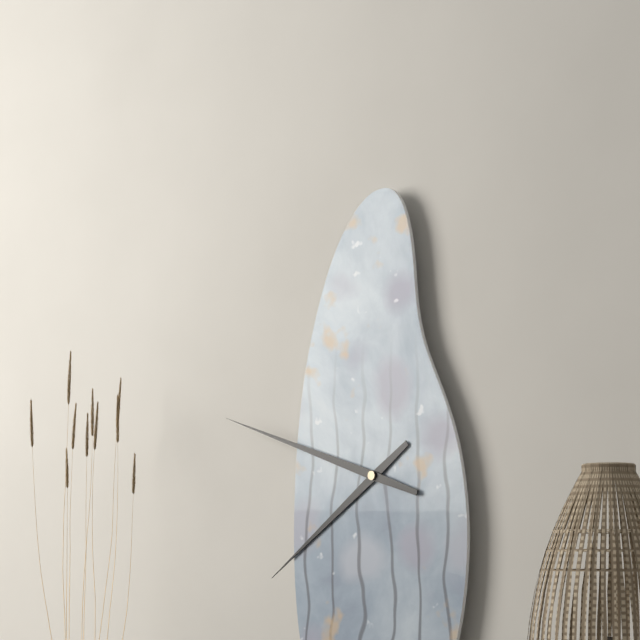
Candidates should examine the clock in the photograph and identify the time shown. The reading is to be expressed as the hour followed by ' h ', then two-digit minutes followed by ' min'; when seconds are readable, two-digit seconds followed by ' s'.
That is 7 h 48 min
